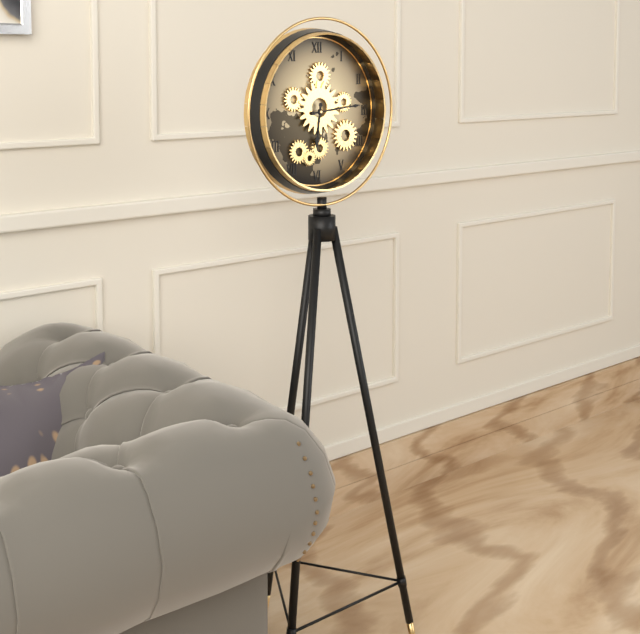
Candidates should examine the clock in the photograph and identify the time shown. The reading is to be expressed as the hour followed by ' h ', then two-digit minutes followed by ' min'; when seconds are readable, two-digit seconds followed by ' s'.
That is 6 h 14 min
